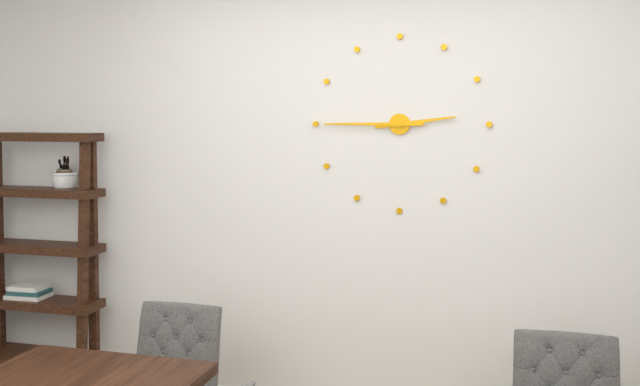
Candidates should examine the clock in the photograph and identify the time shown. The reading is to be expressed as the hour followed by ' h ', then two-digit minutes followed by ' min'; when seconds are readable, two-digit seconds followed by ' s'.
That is 2 h 45 min
